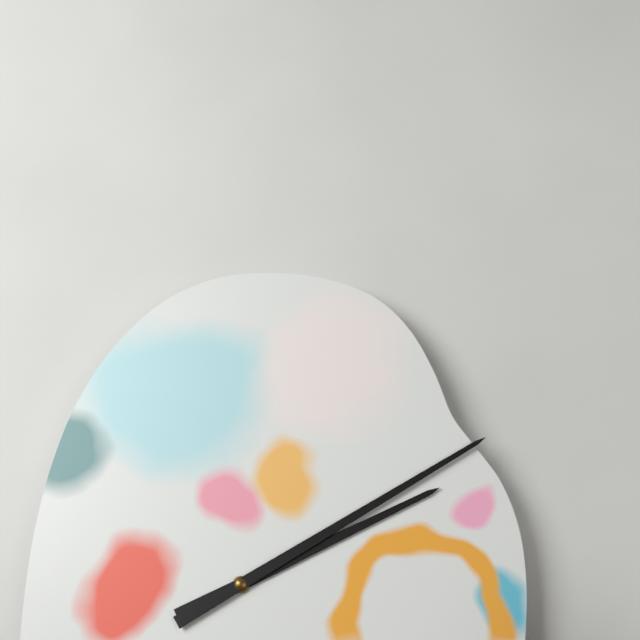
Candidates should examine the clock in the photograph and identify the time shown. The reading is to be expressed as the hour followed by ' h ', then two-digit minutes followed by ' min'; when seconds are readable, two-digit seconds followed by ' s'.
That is 2 h 10 min
